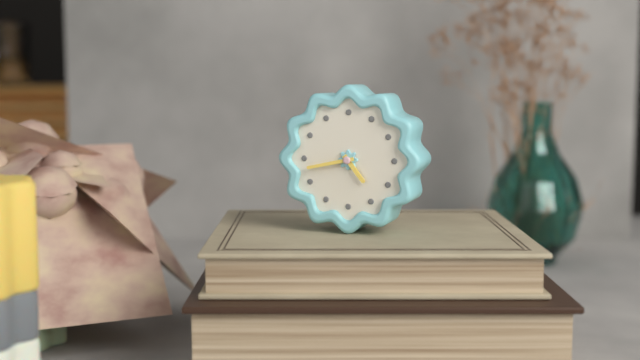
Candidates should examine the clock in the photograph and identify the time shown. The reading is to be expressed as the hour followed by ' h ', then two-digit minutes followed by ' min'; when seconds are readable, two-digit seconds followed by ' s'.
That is 4 h 43 min
